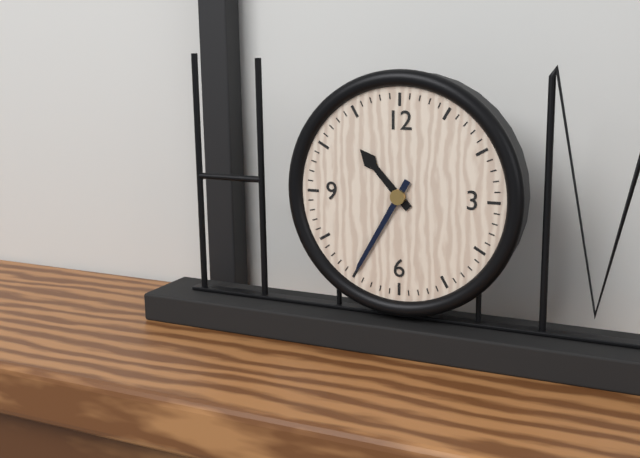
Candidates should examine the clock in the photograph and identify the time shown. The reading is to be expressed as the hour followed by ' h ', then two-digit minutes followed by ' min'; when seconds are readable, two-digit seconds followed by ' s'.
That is 10 h 35 min
